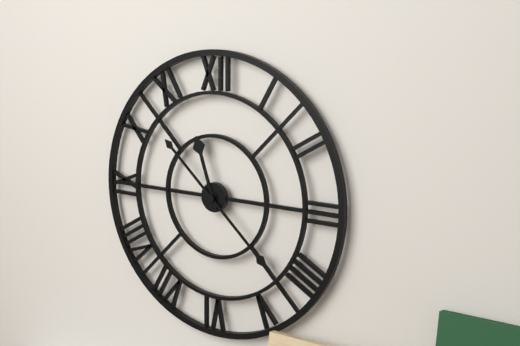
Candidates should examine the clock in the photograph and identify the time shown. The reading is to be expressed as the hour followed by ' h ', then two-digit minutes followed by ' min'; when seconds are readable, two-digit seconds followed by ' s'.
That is 11 h 22 min
